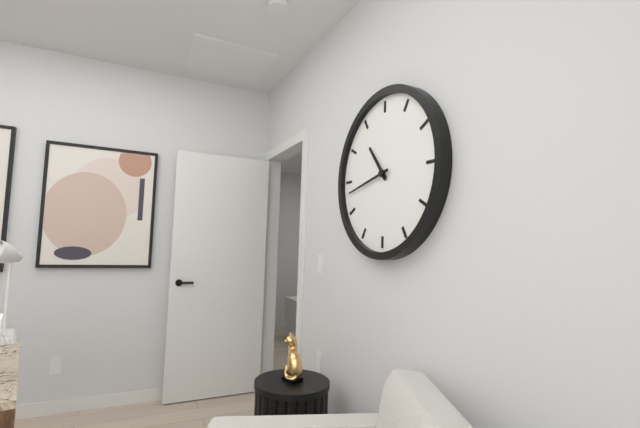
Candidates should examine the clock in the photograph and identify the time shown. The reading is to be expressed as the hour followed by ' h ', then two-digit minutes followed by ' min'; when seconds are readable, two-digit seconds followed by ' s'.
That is 10 h 43 min
